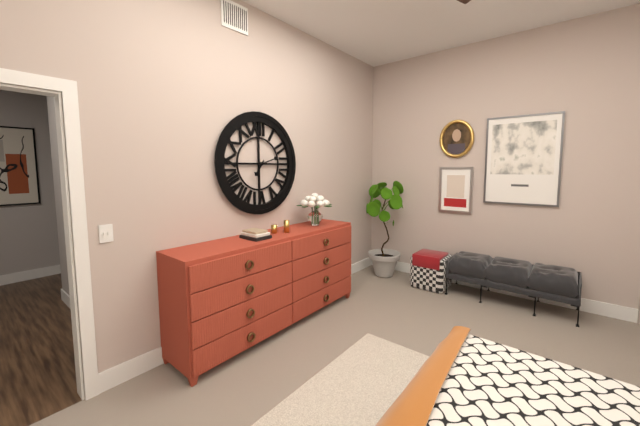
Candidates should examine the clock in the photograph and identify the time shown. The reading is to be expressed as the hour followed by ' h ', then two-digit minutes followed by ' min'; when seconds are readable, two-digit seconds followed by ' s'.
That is 7 h 12 min
